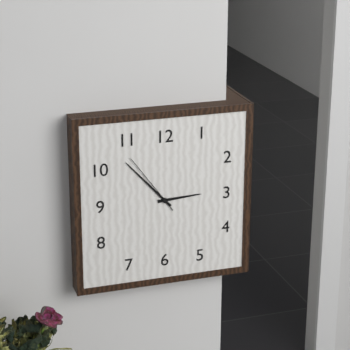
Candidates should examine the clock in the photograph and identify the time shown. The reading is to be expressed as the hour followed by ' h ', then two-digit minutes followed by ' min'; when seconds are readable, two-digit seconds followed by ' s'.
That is 2 h 53 min 54 s
